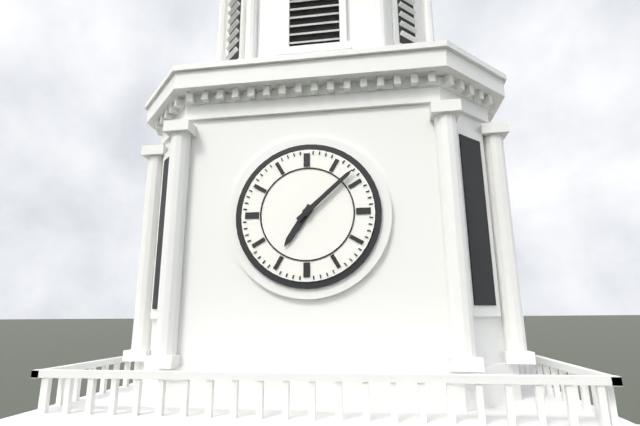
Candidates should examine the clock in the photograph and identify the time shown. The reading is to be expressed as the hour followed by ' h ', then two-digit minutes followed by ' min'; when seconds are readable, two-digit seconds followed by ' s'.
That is 7 h 08 min
